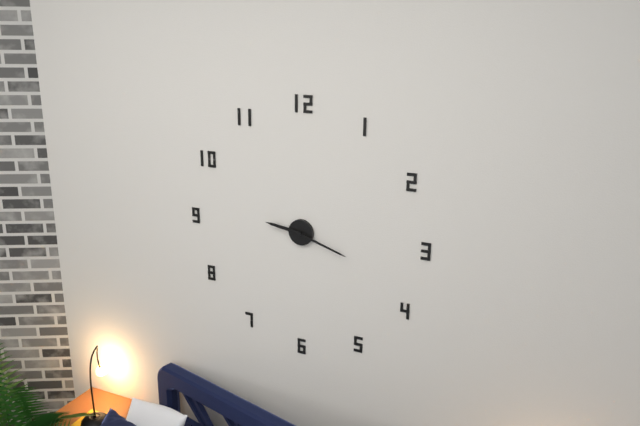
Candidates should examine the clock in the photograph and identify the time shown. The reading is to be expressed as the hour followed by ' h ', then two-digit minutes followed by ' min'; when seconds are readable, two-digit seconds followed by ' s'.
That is 9 h 18 min
